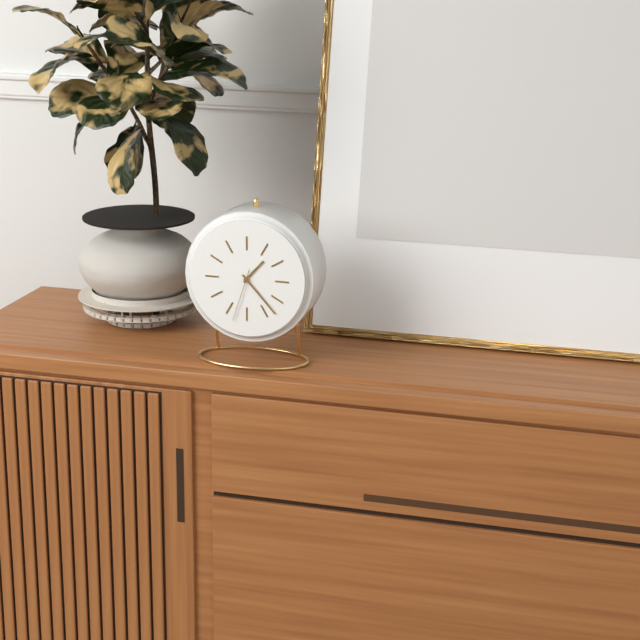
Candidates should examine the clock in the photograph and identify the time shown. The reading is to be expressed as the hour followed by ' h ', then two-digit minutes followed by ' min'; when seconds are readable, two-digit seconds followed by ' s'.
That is 1 h 23 min 33 s
